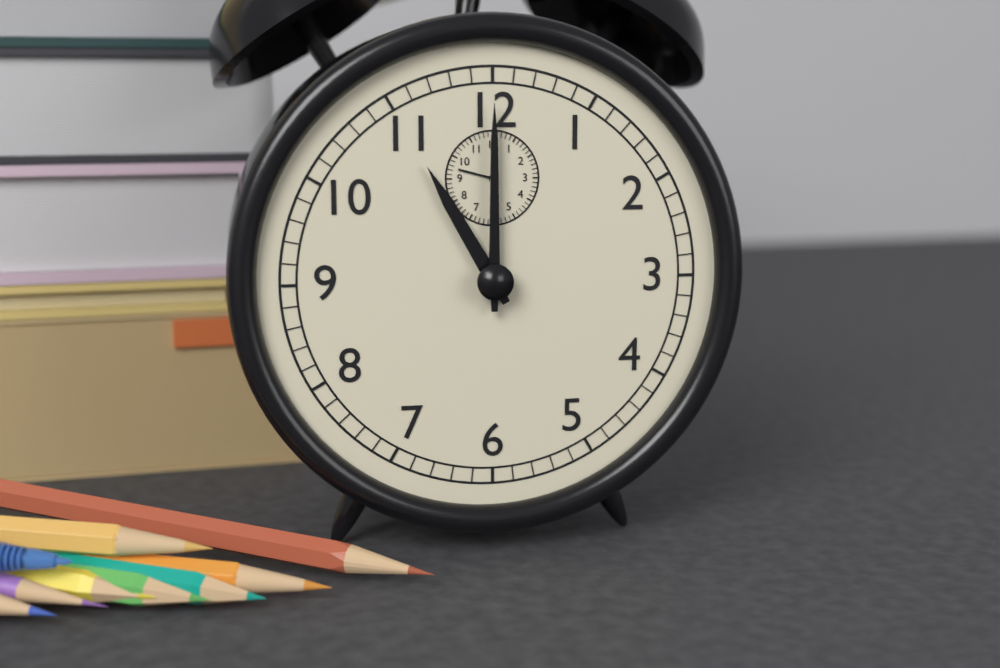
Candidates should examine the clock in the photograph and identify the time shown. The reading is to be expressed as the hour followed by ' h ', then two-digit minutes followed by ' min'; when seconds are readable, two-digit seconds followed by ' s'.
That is 11 h 00 min
